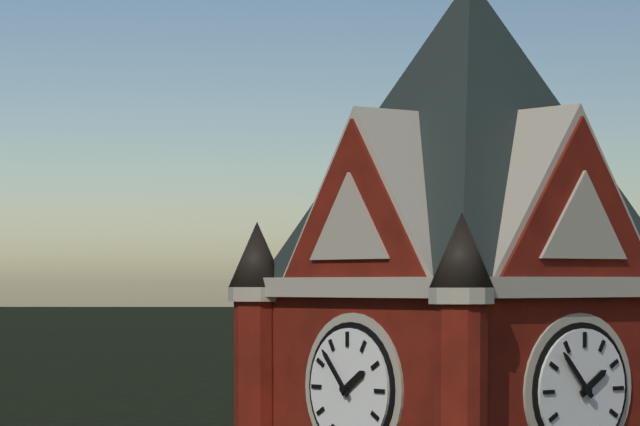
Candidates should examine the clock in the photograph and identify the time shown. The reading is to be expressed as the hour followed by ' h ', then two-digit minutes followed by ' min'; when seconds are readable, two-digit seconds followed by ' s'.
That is 1 h 53 min
